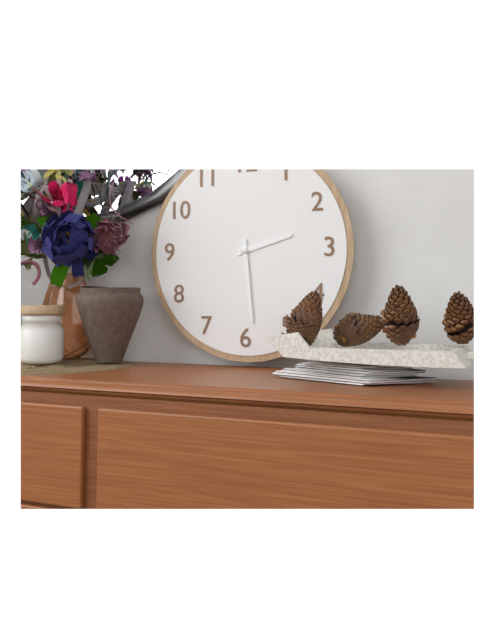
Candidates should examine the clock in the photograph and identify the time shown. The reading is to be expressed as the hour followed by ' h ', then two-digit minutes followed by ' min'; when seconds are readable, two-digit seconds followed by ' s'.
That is 2 h 29 min
